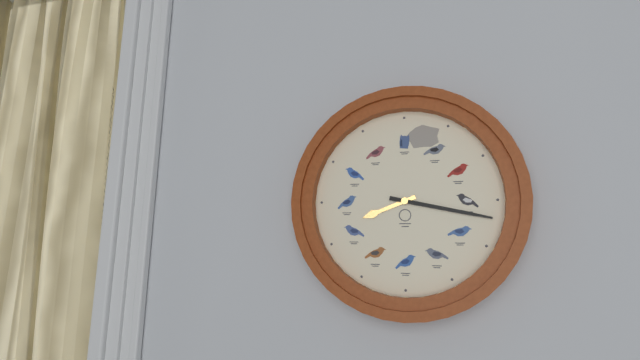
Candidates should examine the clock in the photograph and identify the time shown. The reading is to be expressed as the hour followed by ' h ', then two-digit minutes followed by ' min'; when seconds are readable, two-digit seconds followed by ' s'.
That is 8 h 17 min
